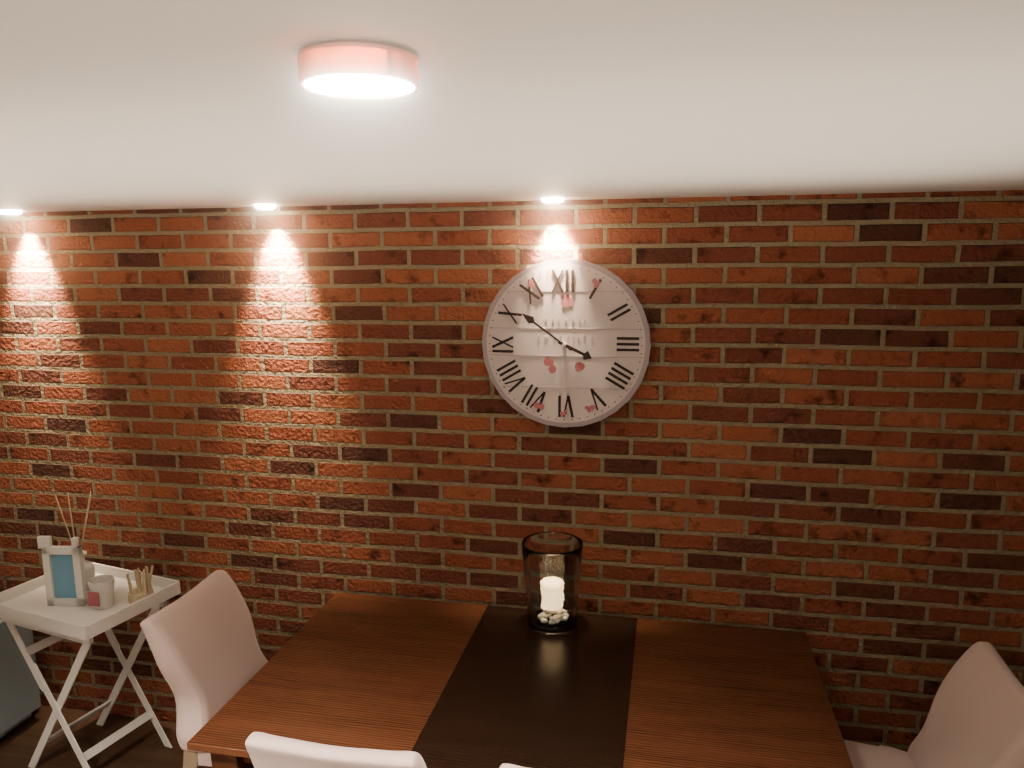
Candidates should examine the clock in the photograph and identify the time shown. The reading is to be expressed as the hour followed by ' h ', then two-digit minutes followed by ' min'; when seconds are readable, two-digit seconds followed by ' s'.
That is 3 h 51 min
